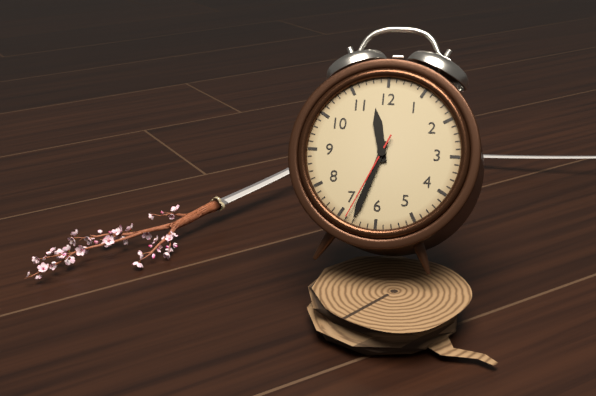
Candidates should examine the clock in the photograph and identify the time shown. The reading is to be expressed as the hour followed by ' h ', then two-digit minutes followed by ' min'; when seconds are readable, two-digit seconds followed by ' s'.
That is 11 h 33 min 34 s
